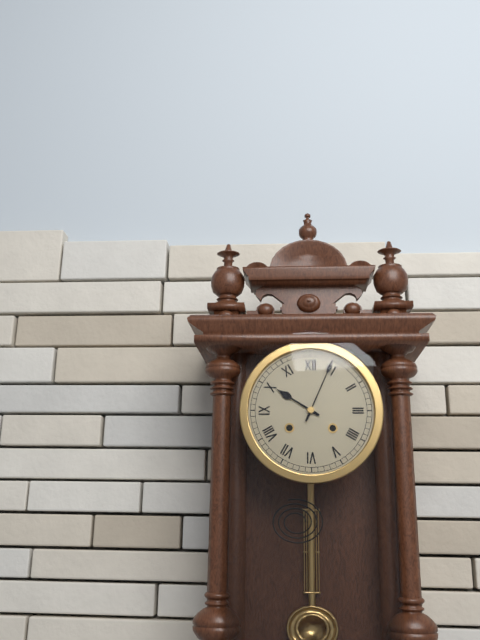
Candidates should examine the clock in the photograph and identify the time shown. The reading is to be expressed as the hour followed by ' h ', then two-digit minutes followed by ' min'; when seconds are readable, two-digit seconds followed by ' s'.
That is 10 h 04 min
